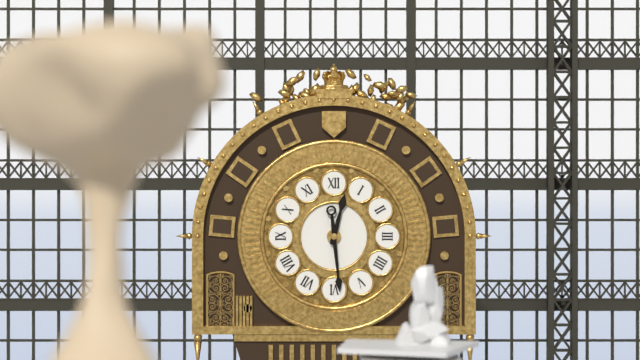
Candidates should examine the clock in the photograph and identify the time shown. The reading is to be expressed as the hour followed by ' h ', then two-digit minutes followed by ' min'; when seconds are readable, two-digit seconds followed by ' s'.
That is 12 h 29 min
